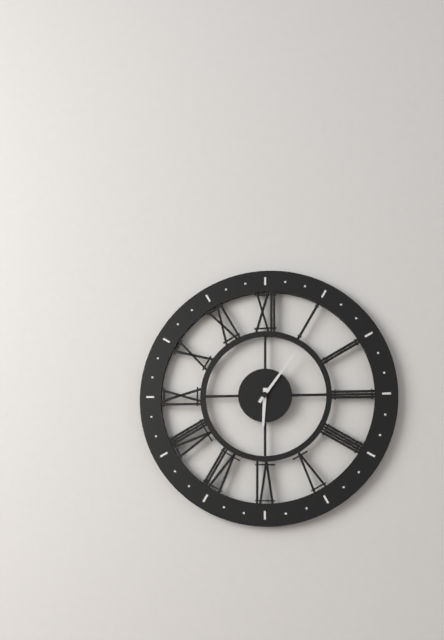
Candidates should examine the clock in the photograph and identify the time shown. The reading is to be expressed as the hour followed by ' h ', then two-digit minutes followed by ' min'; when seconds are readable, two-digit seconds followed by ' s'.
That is 6 h 06 min
